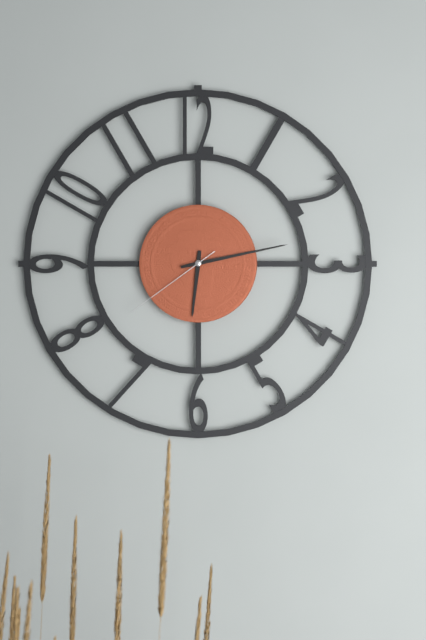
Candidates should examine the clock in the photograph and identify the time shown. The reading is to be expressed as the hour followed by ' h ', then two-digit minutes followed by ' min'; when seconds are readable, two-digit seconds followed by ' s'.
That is 6 h 13 min 39 s
